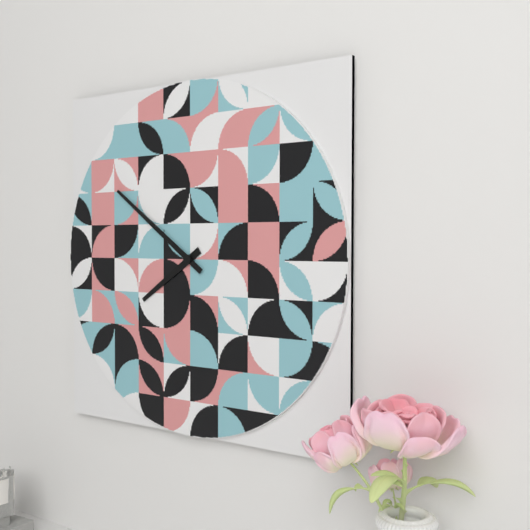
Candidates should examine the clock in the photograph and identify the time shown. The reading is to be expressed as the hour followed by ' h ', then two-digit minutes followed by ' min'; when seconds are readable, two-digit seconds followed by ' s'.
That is 7 h 51 min
